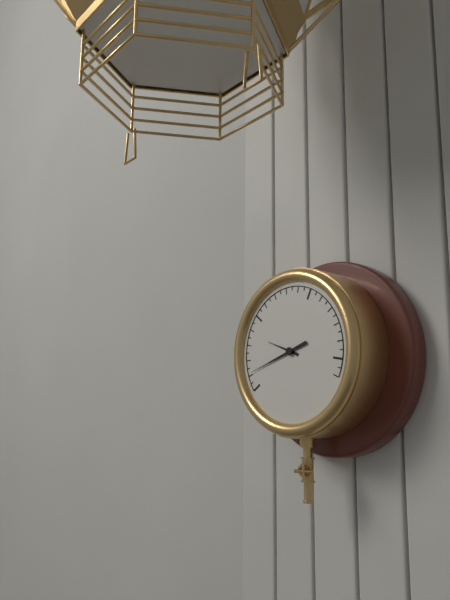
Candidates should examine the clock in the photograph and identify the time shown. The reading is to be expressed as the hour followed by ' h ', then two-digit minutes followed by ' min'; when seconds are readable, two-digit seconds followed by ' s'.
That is 9 h 42 min
